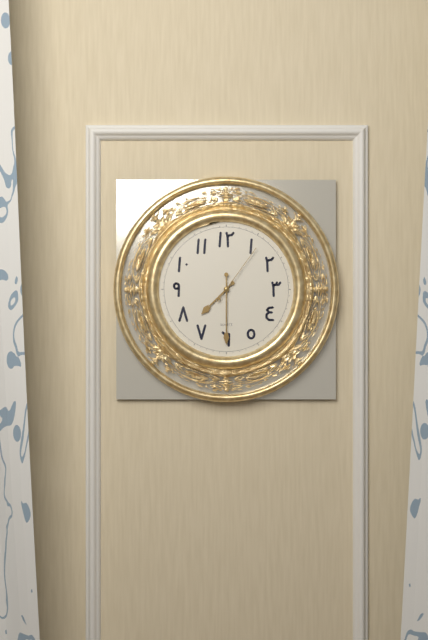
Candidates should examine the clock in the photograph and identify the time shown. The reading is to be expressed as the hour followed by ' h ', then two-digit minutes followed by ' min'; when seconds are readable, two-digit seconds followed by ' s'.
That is 7 h 30 min 06 s
